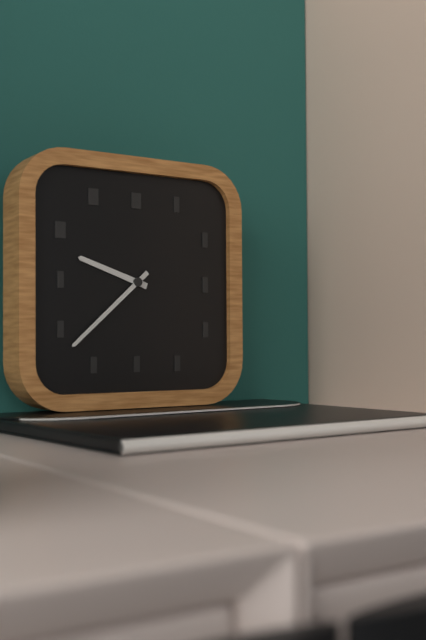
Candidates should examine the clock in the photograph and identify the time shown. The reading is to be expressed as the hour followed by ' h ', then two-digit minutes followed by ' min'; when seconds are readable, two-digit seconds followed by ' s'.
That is 9 h 38 min
